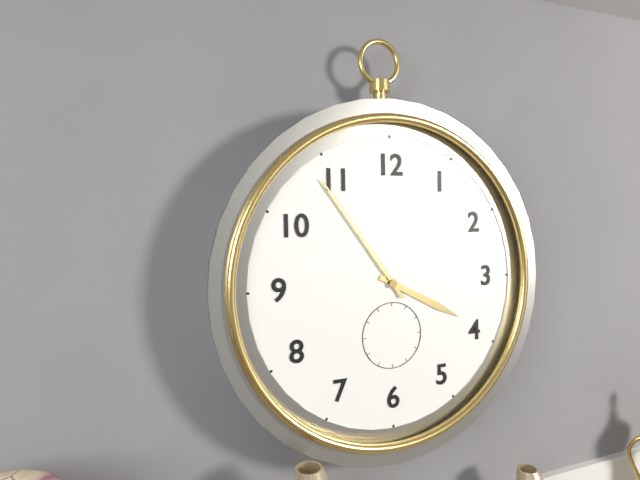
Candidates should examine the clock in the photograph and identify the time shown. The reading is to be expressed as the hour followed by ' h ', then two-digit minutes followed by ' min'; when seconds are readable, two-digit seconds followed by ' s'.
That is 3 h 54 min
